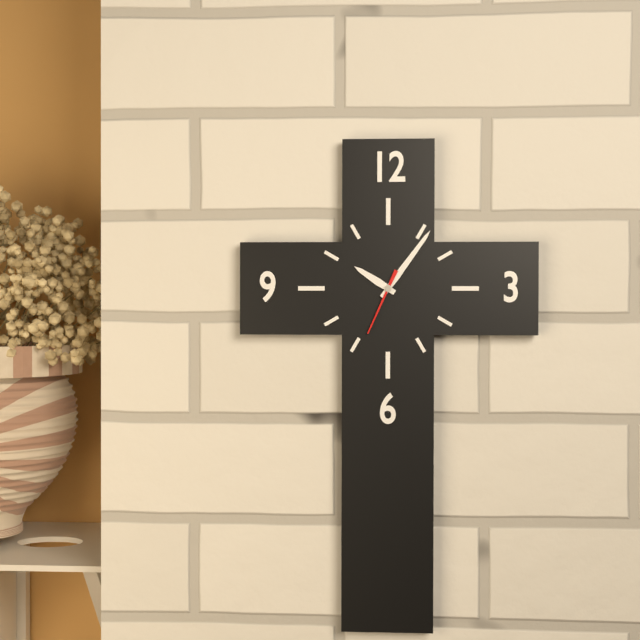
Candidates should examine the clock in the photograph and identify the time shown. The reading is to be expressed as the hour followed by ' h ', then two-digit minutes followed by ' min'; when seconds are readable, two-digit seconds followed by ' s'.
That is 10 h 06 min 34 s
